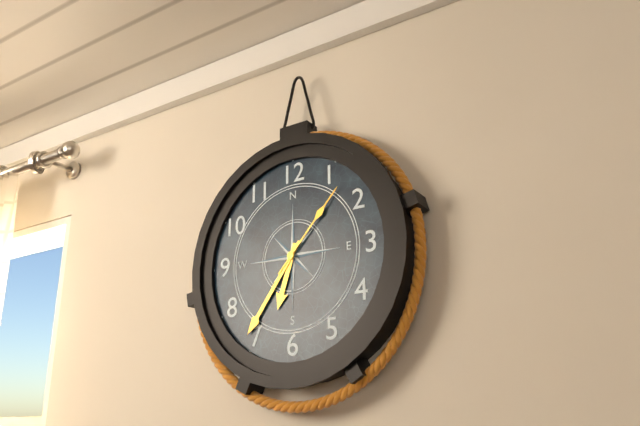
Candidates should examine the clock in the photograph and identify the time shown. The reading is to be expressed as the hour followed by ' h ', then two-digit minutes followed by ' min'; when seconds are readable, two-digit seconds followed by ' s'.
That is 6 h 36 min 07 s
